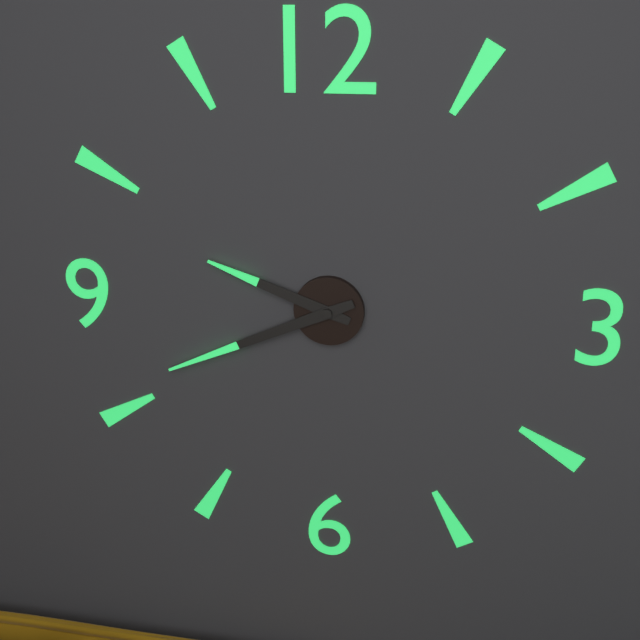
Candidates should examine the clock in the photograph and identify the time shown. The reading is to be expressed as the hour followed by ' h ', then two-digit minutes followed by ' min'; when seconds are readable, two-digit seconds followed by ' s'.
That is 9 h 41 min
